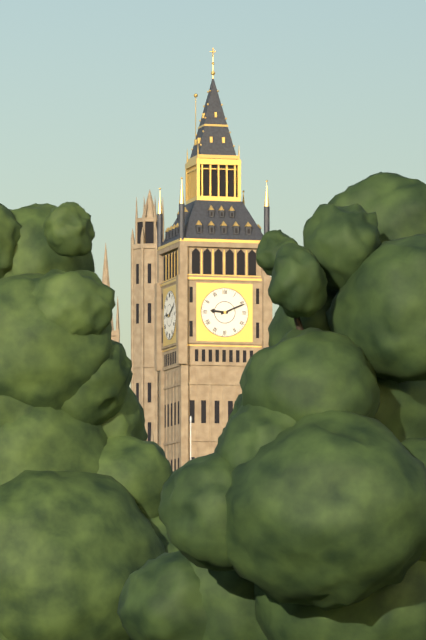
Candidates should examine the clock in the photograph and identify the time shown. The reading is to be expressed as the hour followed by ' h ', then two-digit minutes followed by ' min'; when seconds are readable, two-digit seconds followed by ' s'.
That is 9 h 11 min
